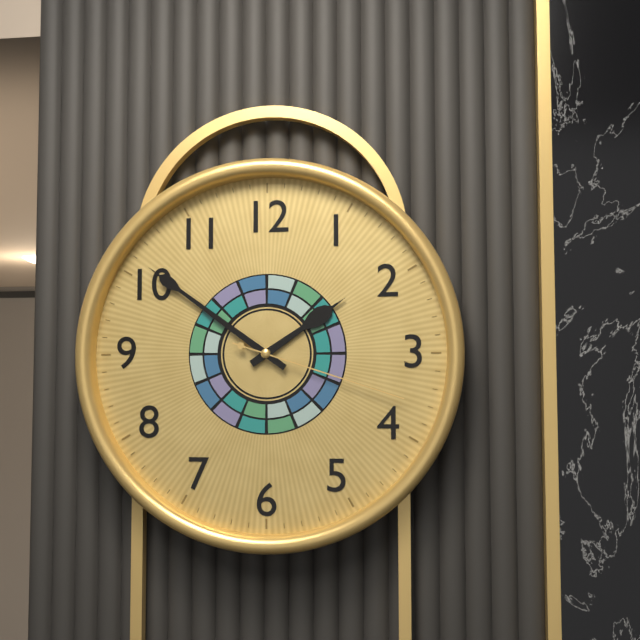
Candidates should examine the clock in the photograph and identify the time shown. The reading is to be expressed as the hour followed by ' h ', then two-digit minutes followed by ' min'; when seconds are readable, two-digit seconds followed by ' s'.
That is 1 h 51 min 18 s
